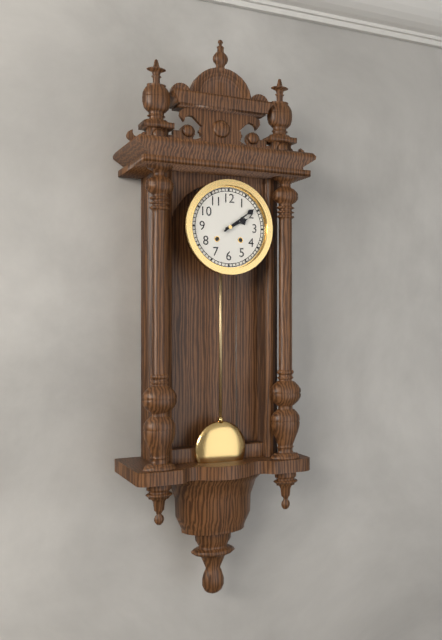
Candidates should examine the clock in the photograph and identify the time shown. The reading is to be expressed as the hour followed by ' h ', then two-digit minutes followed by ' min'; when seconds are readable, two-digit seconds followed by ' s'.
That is 2 h 09 min
